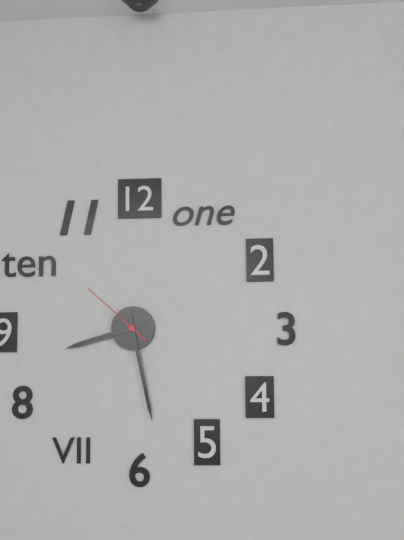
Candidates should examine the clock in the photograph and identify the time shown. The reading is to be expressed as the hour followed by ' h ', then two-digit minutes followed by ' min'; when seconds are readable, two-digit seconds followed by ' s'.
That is 8 h 28 min 52 s
